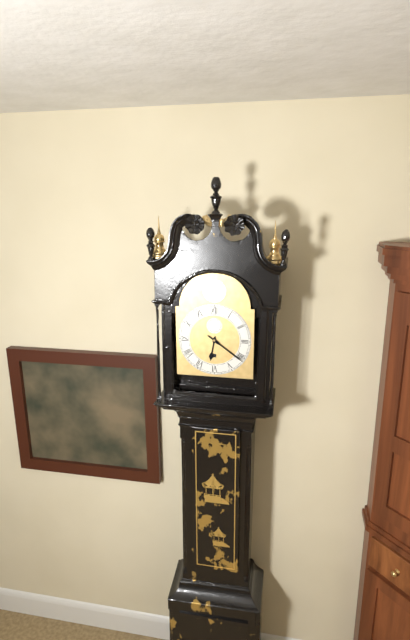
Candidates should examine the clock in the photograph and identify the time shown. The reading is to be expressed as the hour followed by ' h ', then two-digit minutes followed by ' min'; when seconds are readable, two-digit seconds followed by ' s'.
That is 6 h 21 min
